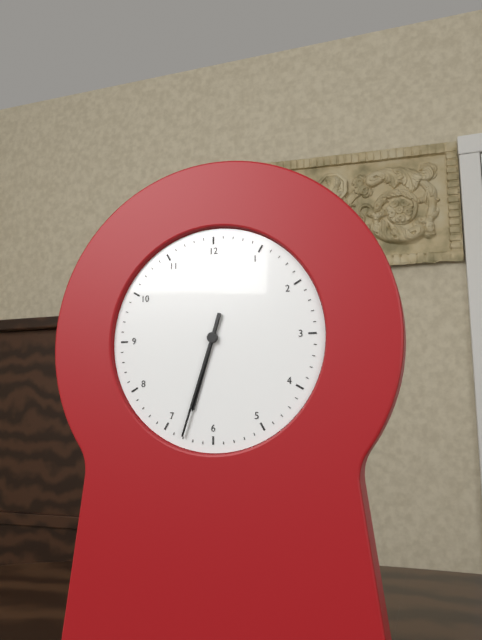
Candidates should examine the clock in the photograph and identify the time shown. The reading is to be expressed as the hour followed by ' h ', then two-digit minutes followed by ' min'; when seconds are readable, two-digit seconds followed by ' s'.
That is 6 h 33 min
